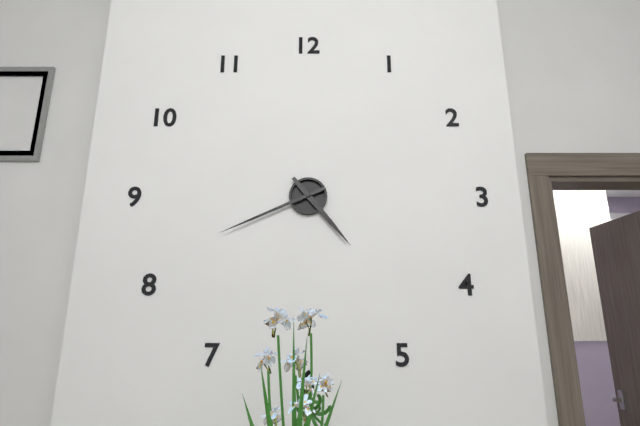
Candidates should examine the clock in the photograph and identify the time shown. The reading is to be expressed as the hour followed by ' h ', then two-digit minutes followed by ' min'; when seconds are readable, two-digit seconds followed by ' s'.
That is 4 h 41 min
